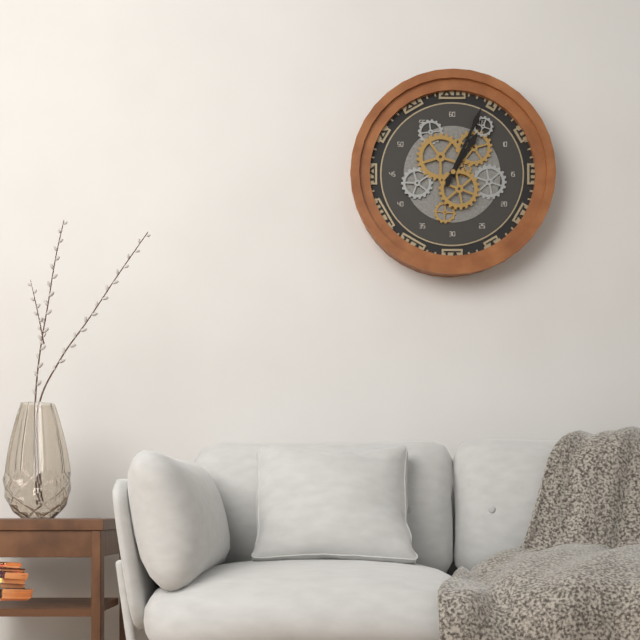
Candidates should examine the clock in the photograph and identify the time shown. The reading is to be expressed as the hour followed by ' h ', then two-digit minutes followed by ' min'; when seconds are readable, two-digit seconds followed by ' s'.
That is 1 h 04 min
